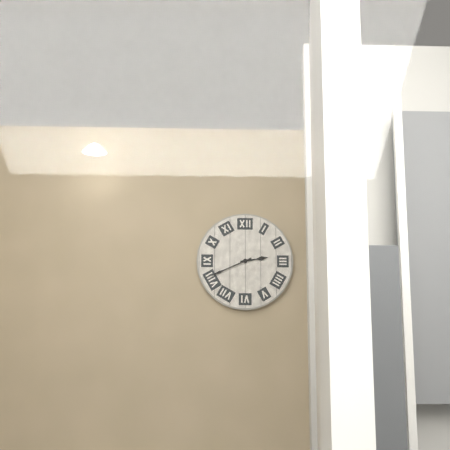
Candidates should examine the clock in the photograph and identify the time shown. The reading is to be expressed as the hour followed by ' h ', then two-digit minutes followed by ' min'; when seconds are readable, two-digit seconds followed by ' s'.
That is 2 h 41 min
